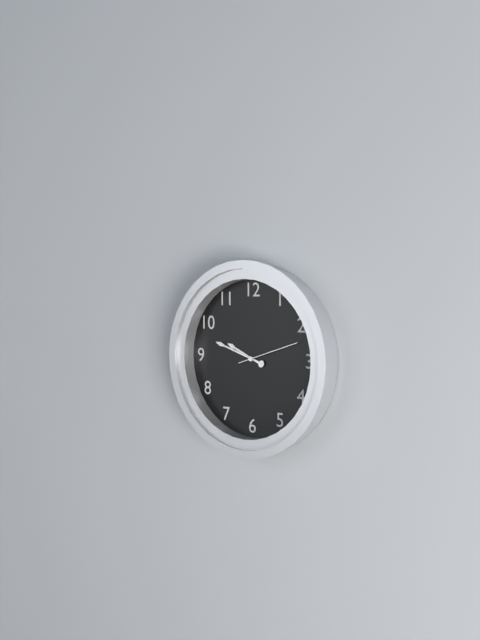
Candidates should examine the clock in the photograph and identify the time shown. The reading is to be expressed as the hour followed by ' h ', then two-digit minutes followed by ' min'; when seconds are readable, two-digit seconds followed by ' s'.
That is 9 h 48 min 12 s
